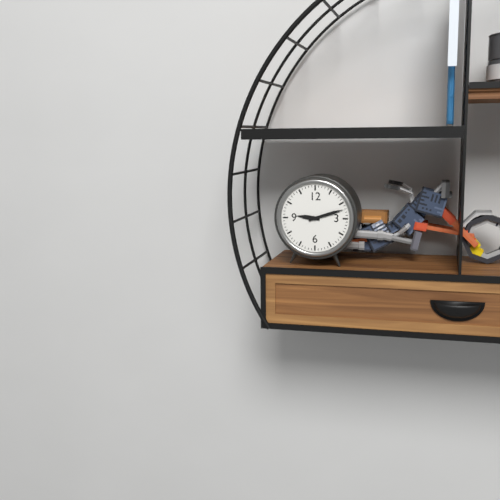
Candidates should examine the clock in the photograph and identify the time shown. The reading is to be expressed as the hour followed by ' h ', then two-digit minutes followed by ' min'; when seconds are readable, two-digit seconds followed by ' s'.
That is 9 h 12 min
